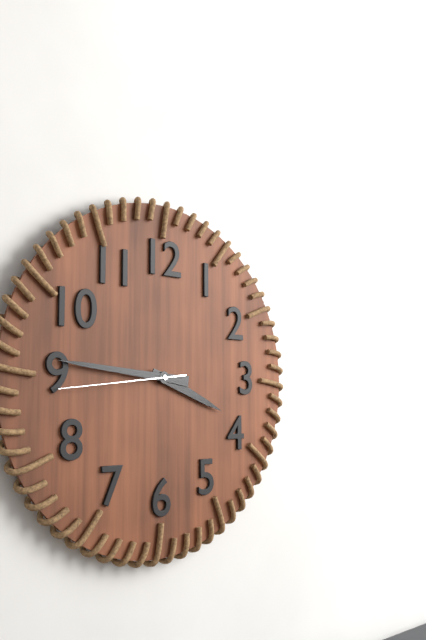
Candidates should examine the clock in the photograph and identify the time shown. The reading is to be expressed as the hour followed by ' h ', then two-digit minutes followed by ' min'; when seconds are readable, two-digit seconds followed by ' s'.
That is 3 h 46 min 44 s
